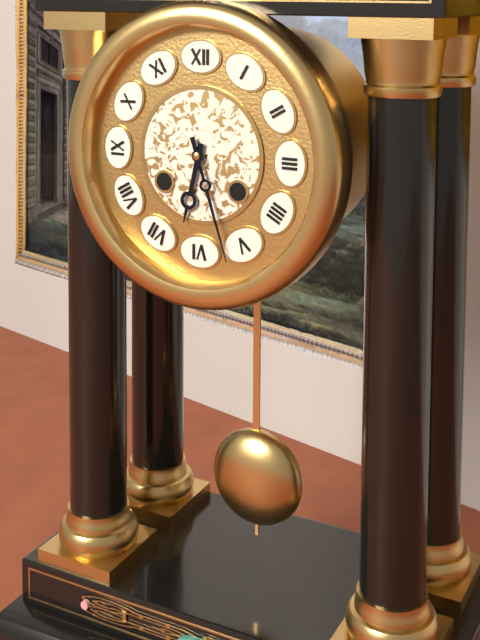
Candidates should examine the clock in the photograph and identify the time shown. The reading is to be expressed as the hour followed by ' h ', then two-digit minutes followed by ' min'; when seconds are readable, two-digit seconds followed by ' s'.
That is 6 h 27 min
